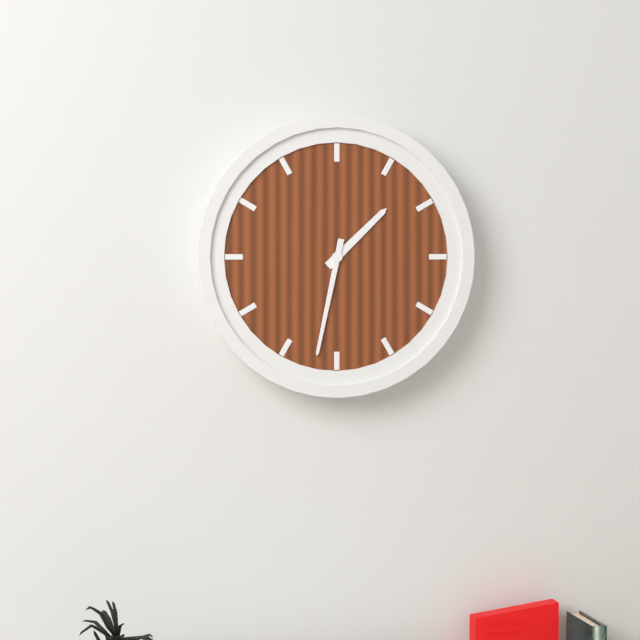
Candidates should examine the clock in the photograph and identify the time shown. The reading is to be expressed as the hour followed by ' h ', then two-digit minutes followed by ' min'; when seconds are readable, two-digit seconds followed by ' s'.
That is 1 h 32 min
